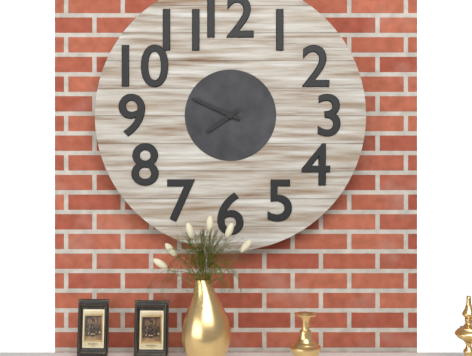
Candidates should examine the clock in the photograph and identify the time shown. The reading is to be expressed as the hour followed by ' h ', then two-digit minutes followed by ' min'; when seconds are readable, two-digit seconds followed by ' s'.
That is 7 h 49 min
